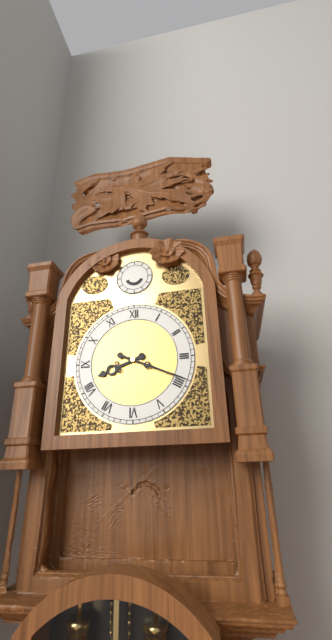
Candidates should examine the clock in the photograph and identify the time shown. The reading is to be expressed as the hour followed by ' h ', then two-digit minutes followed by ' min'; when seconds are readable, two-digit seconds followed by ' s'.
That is 8 h 19 min
